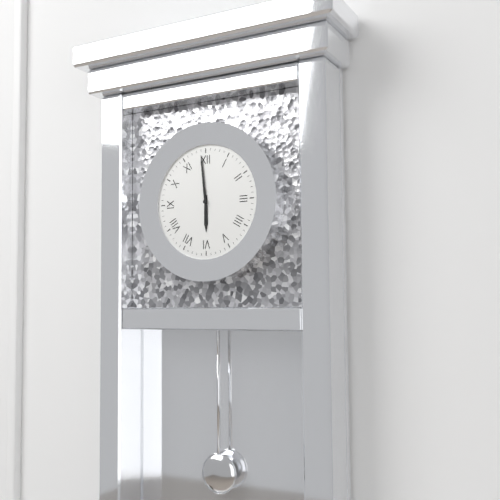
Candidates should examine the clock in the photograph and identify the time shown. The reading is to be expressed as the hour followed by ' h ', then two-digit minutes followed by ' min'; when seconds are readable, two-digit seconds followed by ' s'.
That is 5 h 59 min
